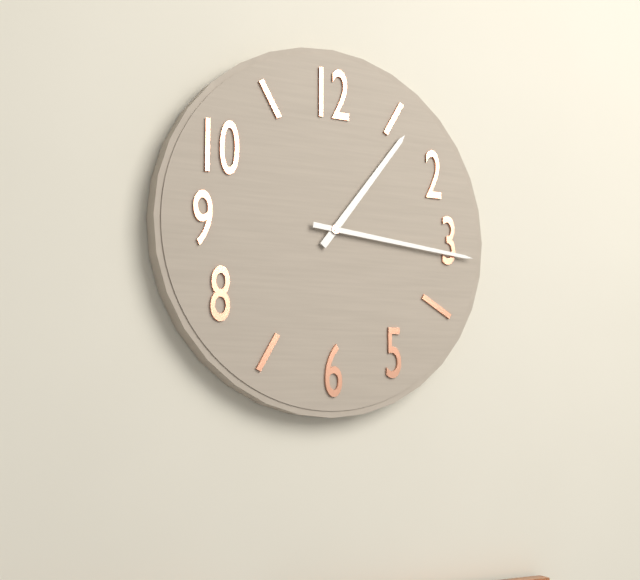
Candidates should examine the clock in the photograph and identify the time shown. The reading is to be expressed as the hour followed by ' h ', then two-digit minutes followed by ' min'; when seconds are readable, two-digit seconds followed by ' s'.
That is 1 h 16 min
